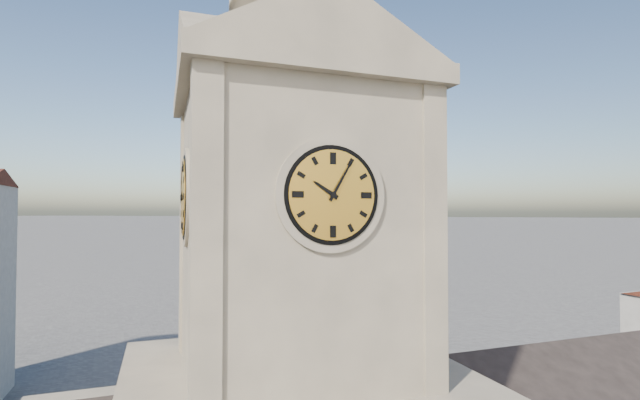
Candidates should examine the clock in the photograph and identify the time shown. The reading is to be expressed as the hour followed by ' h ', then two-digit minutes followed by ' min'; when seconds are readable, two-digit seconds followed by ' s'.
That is 10 h 05 min
